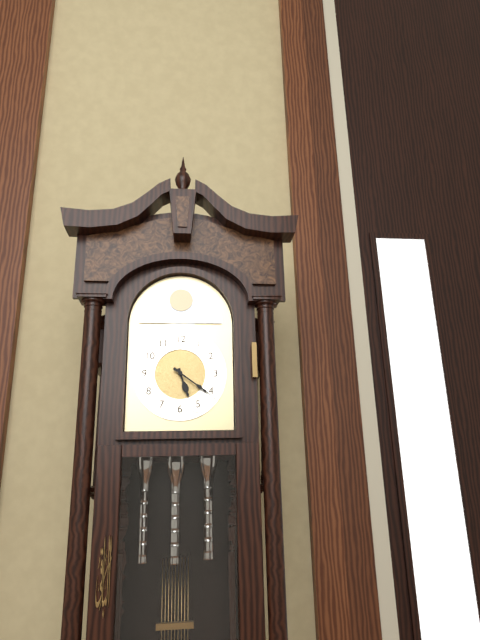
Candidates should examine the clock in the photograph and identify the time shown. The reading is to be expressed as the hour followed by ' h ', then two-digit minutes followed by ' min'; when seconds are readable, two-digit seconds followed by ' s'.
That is 5 h 21 min
